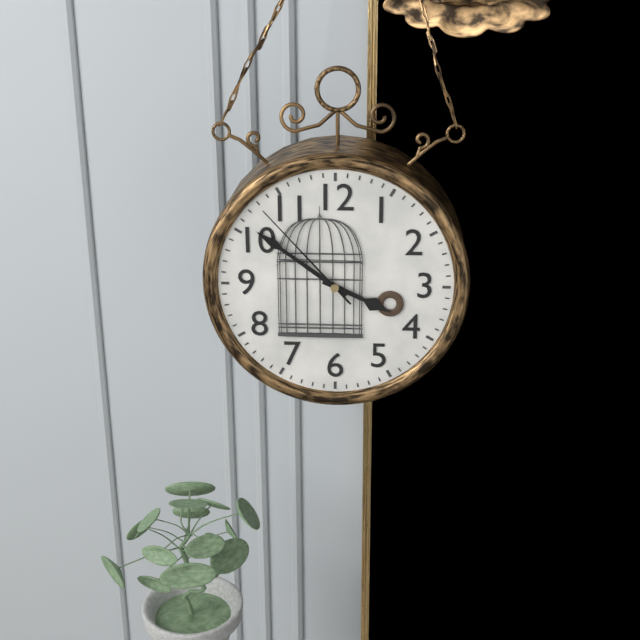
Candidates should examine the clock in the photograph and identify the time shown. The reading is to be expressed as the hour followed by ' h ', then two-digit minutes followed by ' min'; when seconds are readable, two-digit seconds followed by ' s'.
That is 3 h 51 min 53 s
